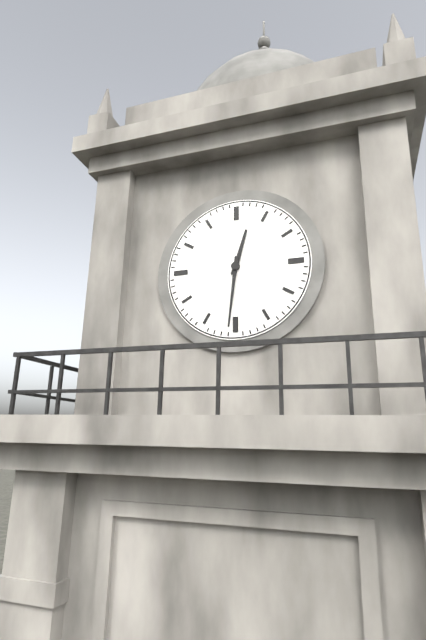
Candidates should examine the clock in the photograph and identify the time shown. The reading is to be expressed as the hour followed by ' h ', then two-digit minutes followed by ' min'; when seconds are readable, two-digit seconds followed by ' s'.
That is 12 h 31 min
